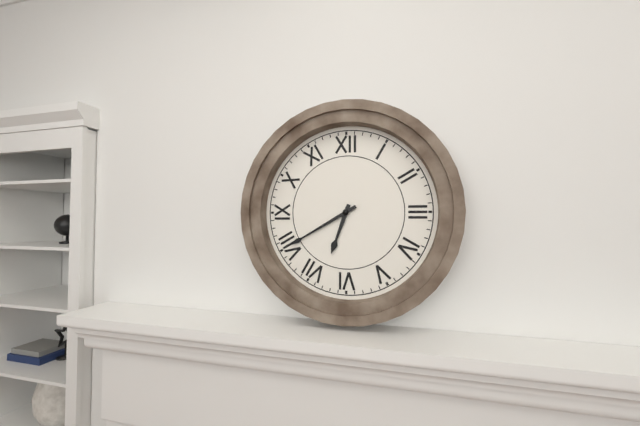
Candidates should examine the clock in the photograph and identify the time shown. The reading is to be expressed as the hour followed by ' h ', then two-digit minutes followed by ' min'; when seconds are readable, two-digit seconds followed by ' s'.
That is 6 h 40 min
